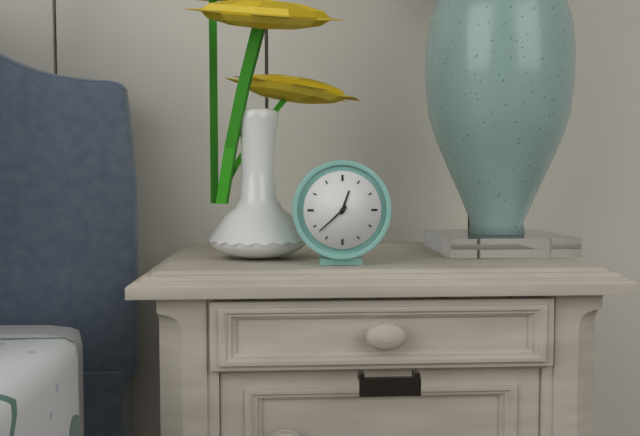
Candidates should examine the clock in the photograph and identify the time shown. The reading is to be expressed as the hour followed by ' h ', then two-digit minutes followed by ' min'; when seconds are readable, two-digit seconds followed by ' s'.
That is 12 h 38 min
